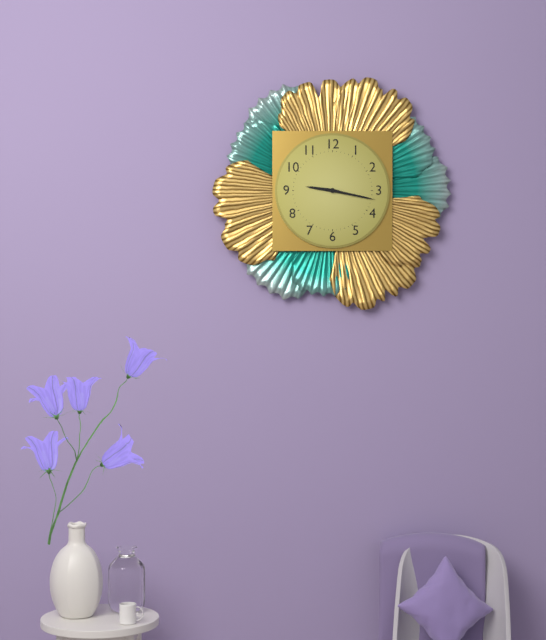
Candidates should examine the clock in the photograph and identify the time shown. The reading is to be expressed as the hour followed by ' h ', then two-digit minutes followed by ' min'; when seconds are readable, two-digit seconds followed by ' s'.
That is 9 h 17 min
